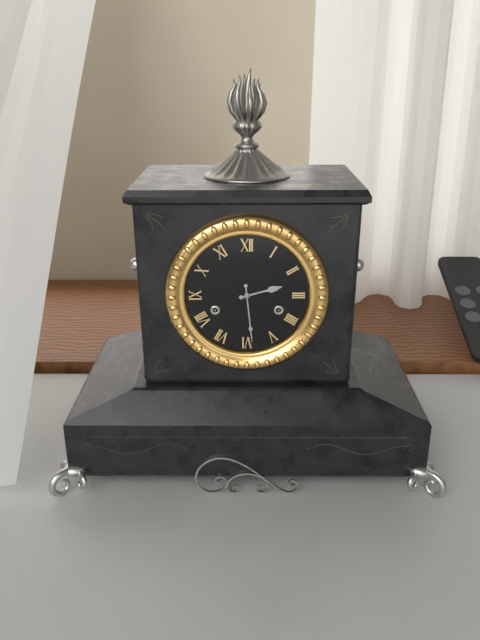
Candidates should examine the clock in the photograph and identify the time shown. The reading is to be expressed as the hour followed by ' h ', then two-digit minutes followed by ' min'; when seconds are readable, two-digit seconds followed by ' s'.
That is 2 h 29 min
